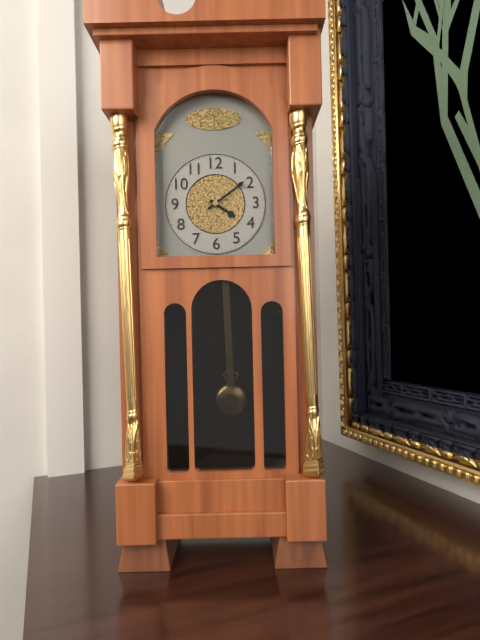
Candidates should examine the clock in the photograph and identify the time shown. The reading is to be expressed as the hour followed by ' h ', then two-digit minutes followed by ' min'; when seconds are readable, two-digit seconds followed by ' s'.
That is 4 h 09 min
